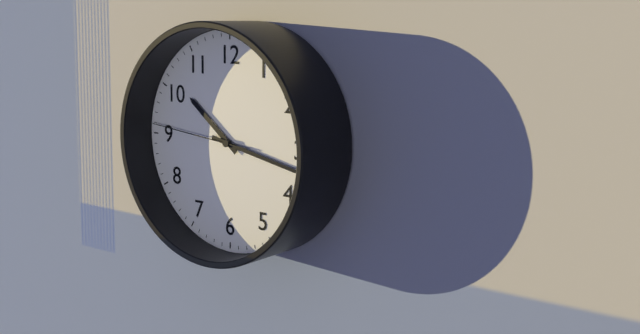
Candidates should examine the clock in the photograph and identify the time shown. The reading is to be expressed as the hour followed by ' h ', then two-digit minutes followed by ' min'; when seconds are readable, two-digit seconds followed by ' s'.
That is 10 h 17 min 46 s
